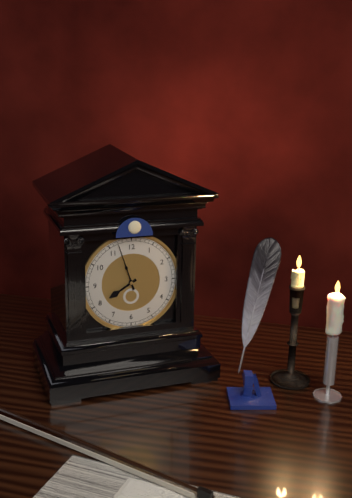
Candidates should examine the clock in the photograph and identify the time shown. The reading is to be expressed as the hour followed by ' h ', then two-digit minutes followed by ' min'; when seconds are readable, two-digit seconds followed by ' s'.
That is 7 h 57 min
